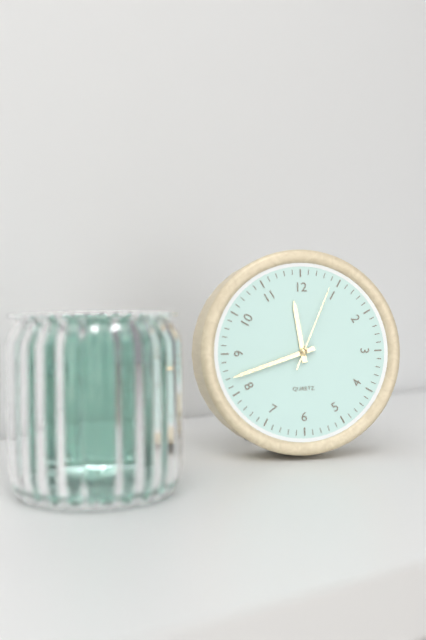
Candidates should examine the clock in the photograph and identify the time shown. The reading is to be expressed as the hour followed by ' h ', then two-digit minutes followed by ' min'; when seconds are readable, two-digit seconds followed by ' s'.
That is 11 h 42 min 04 s
